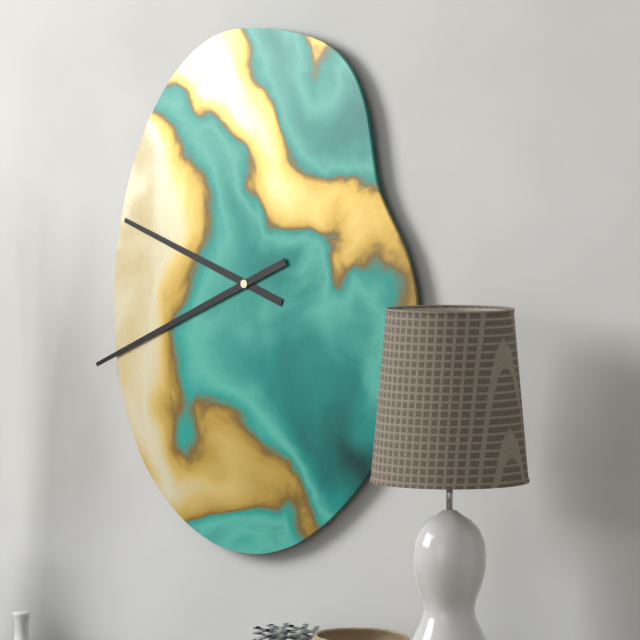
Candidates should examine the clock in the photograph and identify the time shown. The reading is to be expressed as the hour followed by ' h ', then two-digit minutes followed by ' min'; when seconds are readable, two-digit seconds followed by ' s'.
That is 9 h 41 min
